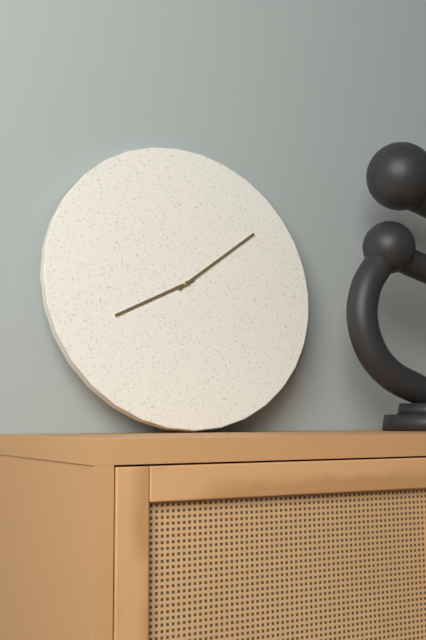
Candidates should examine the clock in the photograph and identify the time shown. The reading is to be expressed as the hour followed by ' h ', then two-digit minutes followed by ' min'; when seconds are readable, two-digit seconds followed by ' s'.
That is 8 h 09 min
